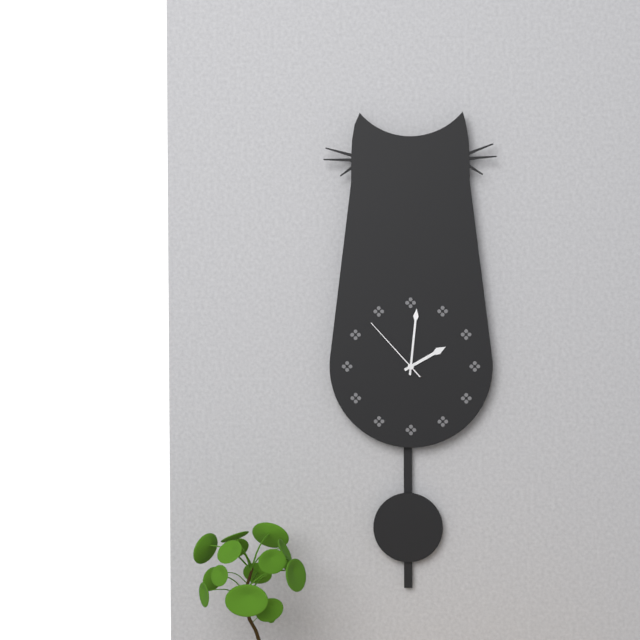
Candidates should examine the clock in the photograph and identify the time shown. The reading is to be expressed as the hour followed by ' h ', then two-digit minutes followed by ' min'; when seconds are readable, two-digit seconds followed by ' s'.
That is 2 h 01 min 53 s
